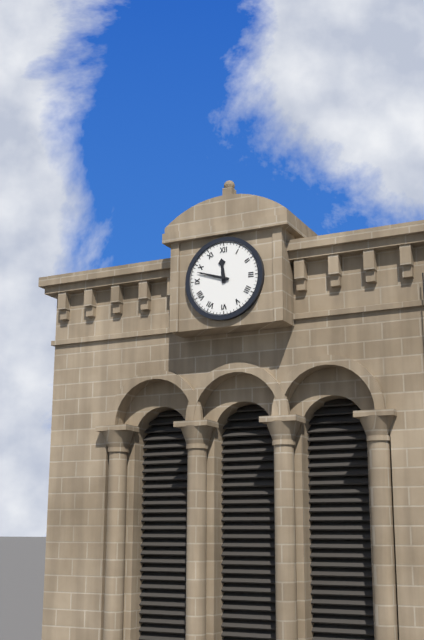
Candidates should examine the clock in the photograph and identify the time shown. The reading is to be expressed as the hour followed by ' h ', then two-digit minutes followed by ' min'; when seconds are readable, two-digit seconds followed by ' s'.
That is 11 h 48 min
